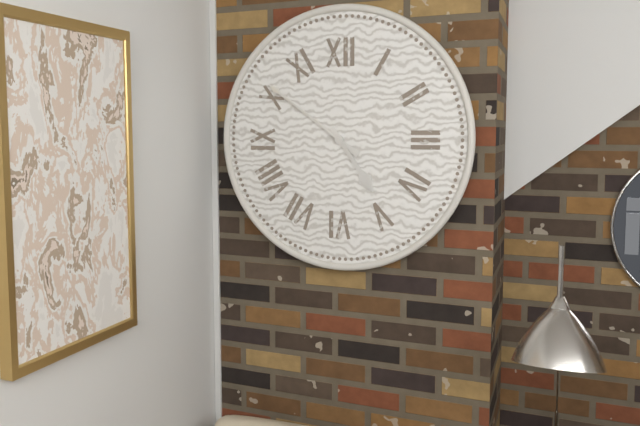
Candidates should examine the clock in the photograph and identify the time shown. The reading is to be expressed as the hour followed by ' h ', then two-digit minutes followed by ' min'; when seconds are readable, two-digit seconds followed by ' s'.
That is 4 h 51 min
